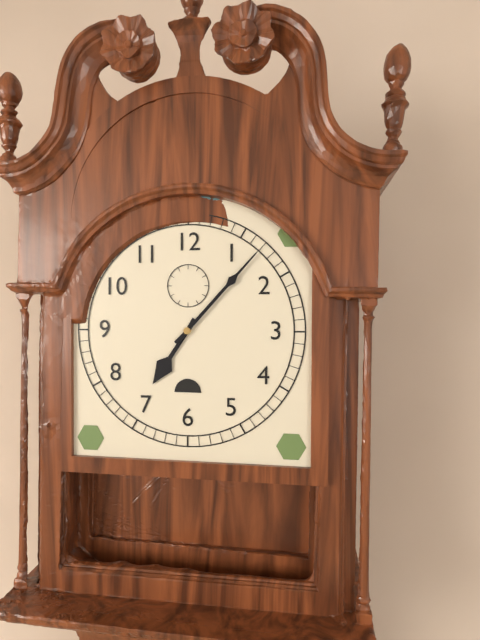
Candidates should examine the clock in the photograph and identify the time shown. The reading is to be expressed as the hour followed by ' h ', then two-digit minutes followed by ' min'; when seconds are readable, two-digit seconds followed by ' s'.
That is 7 h 07 min
